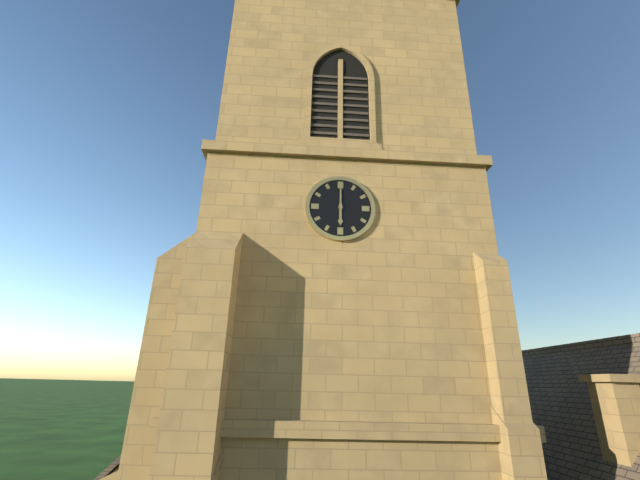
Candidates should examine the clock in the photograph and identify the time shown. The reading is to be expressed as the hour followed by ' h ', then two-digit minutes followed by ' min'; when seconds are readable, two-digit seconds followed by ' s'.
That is 6 h 00 min
